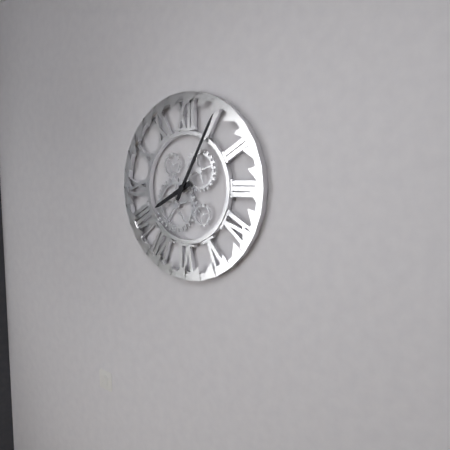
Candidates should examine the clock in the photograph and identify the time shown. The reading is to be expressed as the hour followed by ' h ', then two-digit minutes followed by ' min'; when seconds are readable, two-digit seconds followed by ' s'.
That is 8 h 05 min
